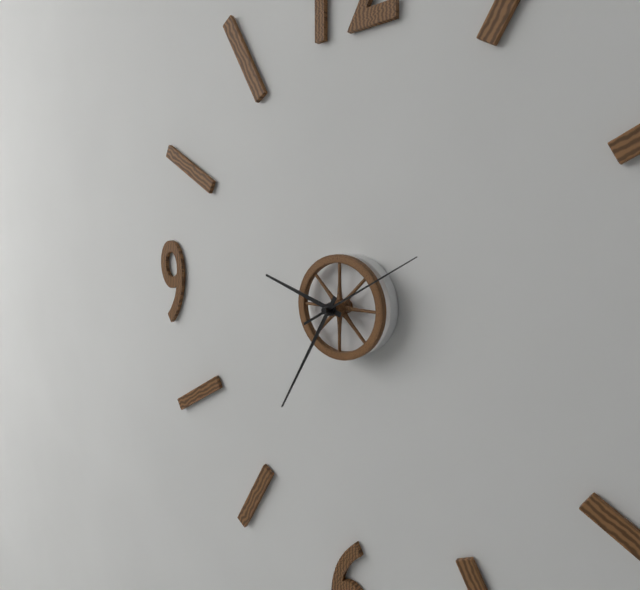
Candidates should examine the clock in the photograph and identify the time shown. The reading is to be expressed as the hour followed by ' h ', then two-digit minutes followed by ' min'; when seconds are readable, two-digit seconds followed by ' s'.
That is 9 h 35 min 10 s
